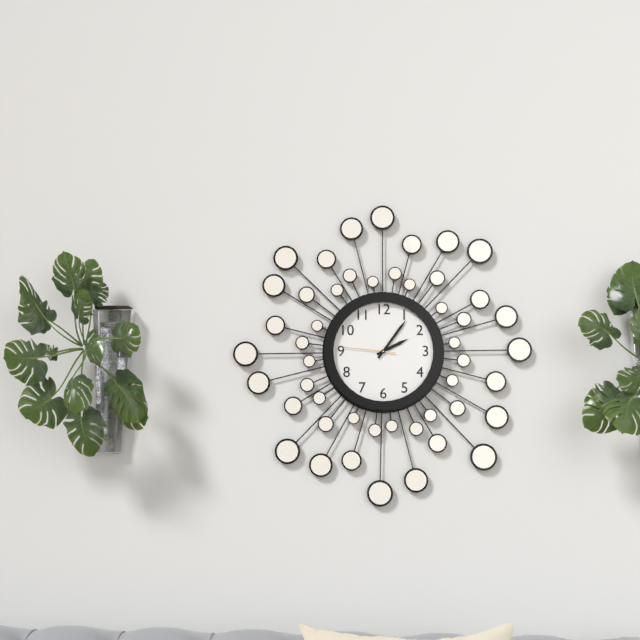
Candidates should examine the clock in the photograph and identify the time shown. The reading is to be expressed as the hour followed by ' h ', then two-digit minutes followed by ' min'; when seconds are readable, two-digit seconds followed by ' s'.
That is 2 h 06 min 46 s
